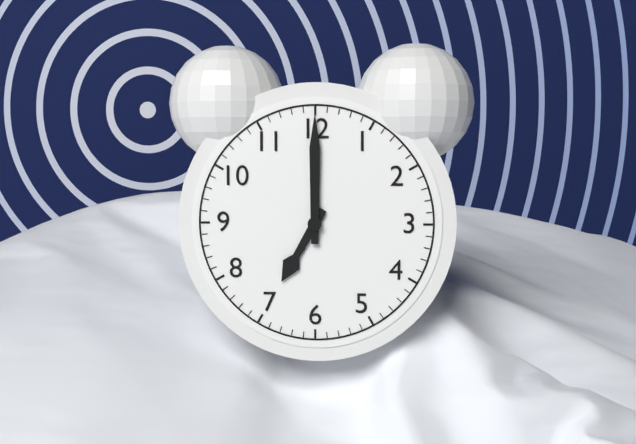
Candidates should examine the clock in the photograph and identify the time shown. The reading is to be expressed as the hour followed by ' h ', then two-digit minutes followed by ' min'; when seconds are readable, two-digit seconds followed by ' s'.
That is 7 h 00 min
